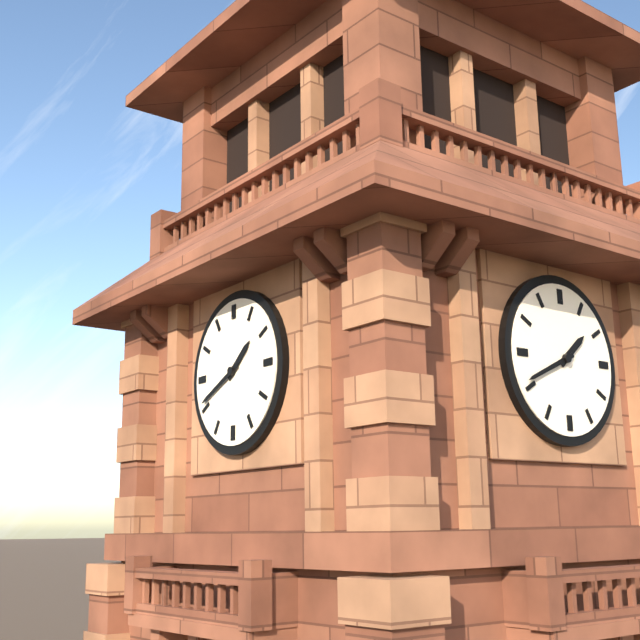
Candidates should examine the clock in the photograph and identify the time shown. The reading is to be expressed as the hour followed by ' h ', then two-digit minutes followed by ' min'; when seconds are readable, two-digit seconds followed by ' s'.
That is 1 h 41 min
